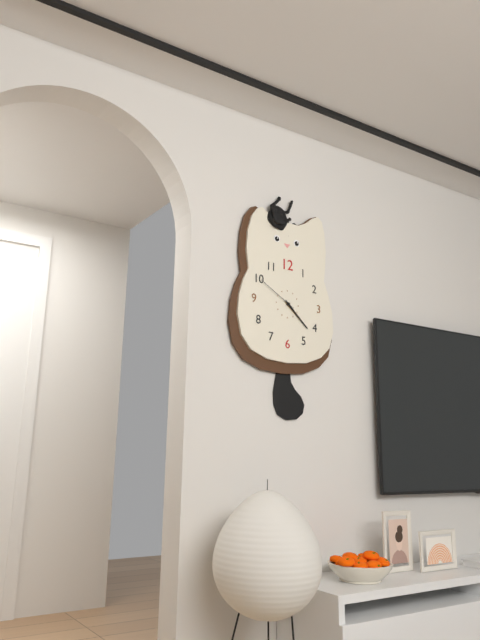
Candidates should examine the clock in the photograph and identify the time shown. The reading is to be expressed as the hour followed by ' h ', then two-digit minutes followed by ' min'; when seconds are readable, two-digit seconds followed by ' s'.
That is 4 h 22 min
